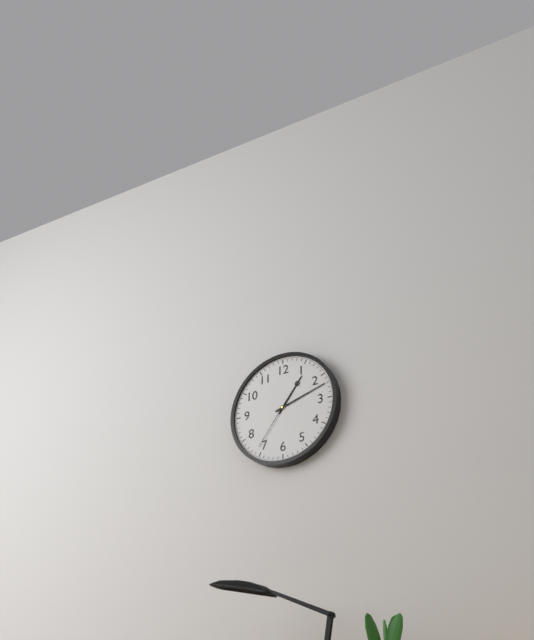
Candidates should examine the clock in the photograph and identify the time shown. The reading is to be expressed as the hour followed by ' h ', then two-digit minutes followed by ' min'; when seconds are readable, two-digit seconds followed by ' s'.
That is 1 h 12 min 36 s
